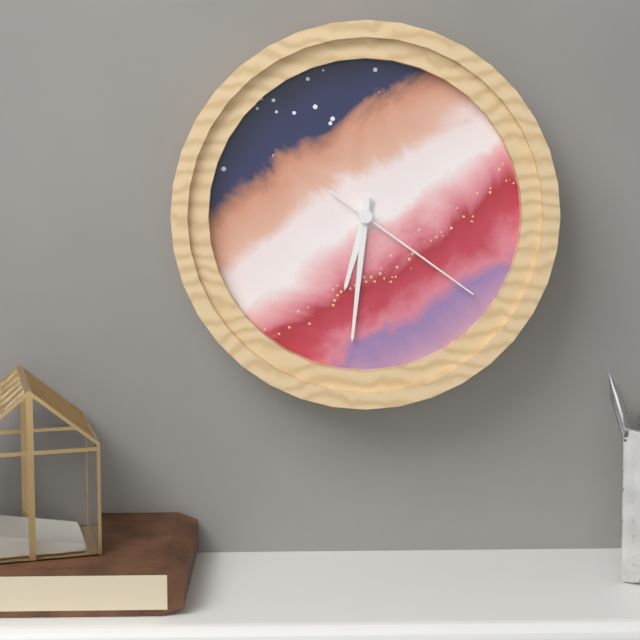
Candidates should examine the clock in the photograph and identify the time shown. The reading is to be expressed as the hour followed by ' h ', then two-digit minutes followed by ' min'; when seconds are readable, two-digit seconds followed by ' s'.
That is 6 h 31 min 21 s
